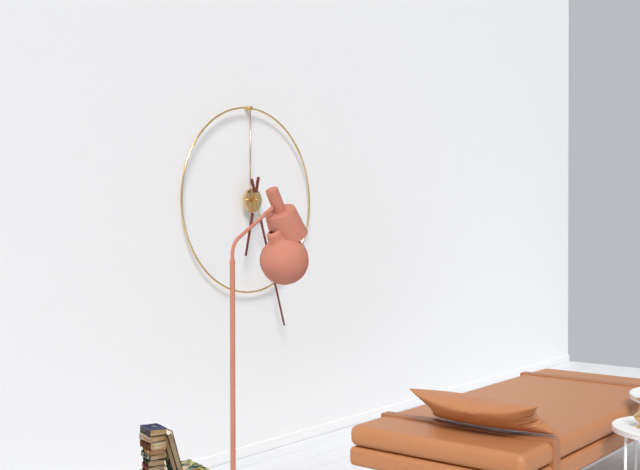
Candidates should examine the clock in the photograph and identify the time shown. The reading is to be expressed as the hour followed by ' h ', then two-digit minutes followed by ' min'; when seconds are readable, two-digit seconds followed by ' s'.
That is 6 h 27 min
